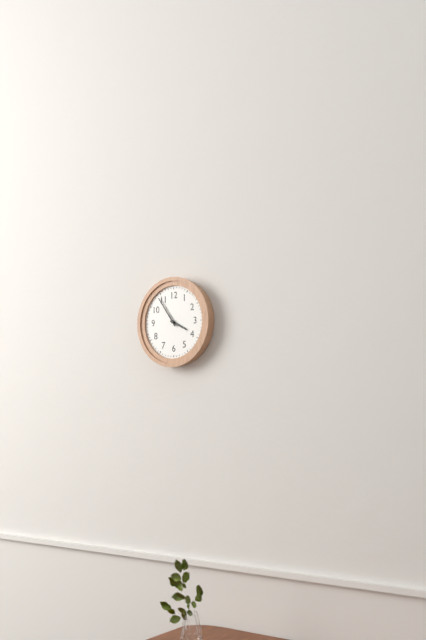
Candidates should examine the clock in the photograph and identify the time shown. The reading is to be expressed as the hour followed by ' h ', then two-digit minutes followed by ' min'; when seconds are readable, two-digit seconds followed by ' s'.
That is 3 h 54 min
